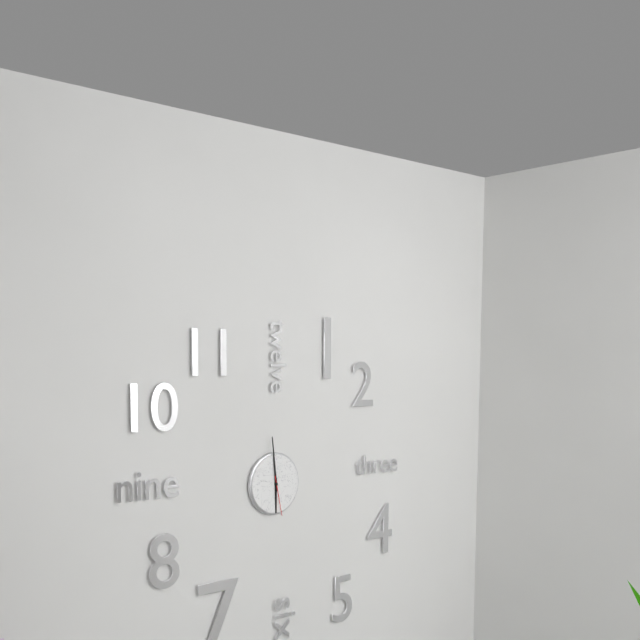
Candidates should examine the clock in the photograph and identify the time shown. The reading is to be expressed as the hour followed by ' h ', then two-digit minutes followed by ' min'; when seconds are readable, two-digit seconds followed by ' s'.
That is 5 h 59 min
